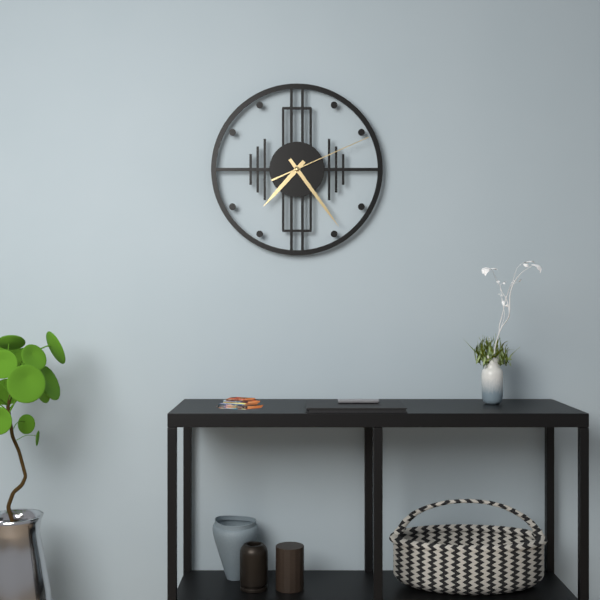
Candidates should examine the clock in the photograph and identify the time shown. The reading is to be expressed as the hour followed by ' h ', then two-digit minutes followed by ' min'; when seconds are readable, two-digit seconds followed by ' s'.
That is 7 h 24 min 11 s
